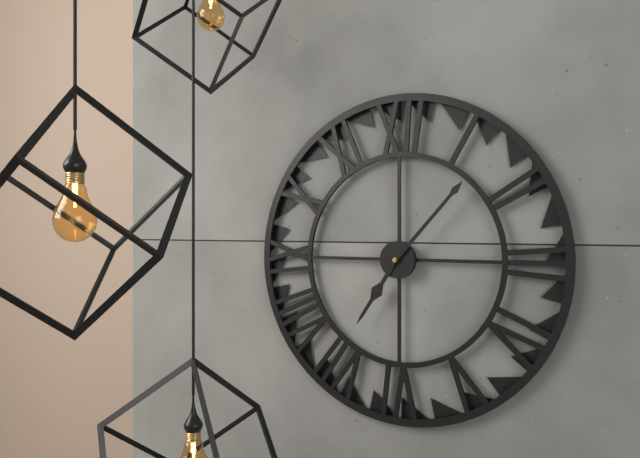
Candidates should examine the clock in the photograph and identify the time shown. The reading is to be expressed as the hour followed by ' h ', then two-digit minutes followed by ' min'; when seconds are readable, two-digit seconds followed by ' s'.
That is 7 h 07 min
